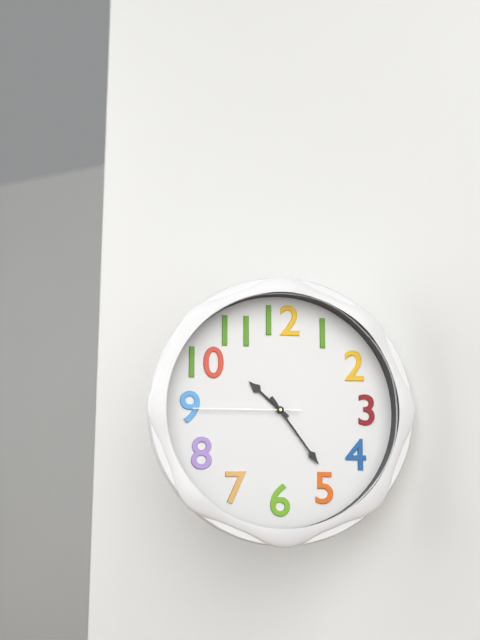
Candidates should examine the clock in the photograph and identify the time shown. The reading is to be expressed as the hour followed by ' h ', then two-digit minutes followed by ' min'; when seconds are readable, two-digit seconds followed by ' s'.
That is 10 h 24 min 45 s
